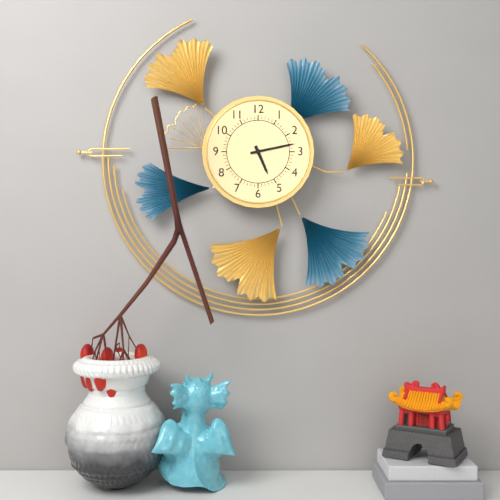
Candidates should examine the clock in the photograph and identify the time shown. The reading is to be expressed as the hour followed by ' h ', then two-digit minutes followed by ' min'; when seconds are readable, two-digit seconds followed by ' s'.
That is 5 h 13 min
